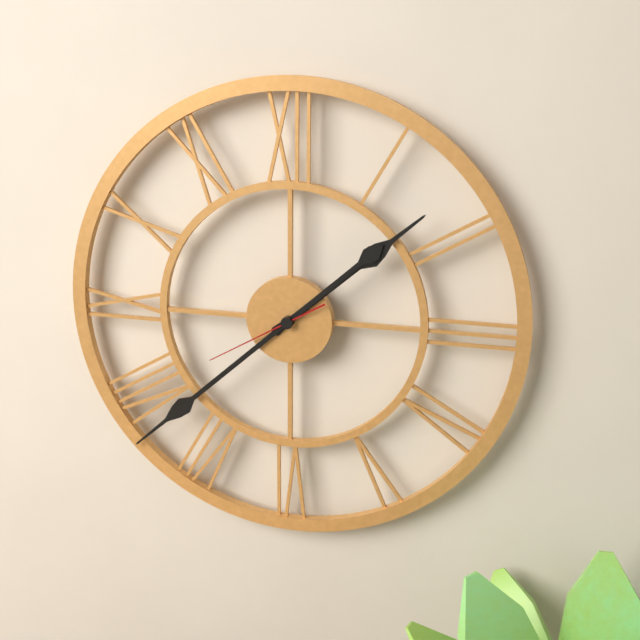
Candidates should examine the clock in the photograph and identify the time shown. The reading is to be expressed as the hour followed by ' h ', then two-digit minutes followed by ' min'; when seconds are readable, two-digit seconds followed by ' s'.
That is 1 h 38 min 40 s
